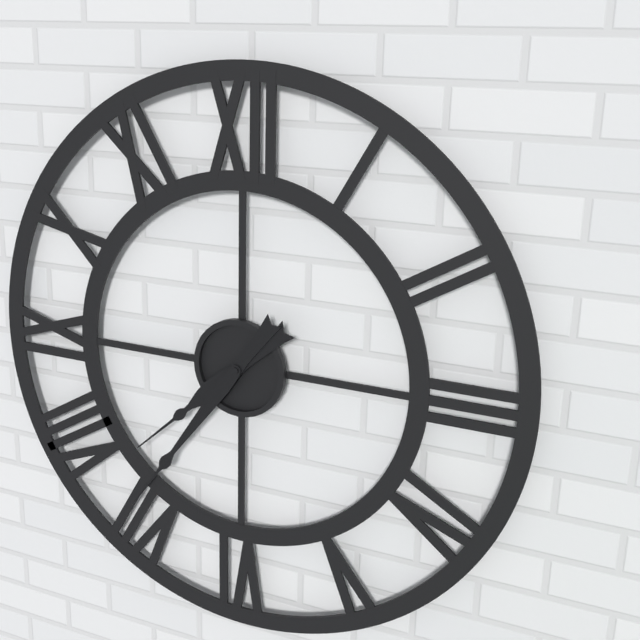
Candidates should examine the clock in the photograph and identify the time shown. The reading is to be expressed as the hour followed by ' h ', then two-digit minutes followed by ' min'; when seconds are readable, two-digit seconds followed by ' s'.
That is 7 h 36 min
